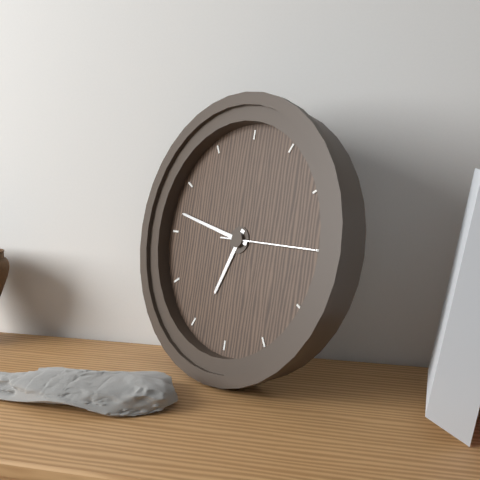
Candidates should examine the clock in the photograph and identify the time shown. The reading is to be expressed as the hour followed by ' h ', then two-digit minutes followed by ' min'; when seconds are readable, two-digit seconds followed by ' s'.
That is 6 h 47 min 15 s
